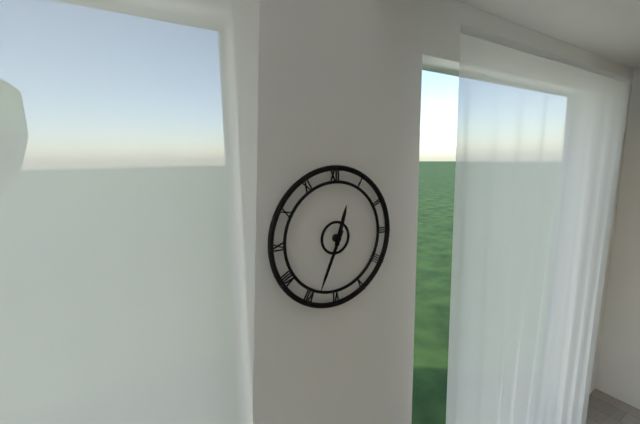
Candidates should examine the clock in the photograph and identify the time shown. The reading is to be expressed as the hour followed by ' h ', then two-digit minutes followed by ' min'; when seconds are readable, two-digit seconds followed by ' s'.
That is 12 h 34 min
